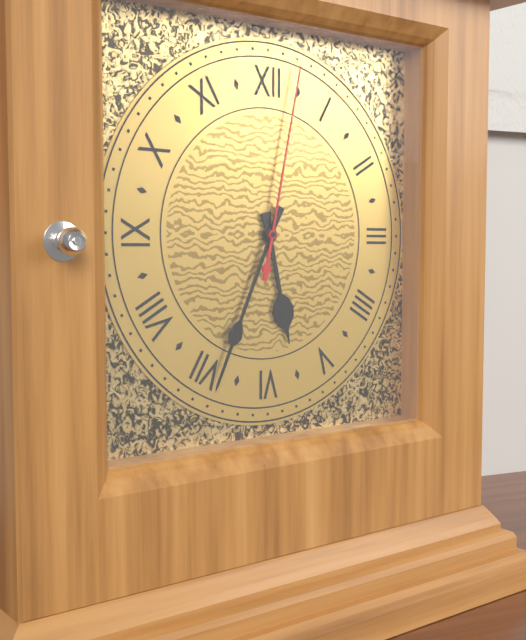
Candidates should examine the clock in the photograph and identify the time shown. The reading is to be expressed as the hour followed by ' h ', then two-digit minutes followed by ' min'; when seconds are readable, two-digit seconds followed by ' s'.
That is 5 h 34 min 02 s
